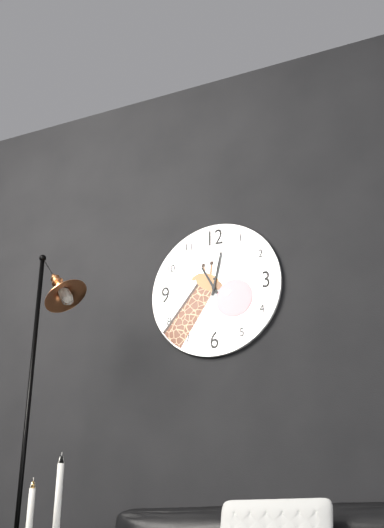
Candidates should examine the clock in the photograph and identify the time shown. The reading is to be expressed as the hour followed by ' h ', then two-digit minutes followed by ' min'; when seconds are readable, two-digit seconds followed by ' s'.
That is 11 h 02 min
